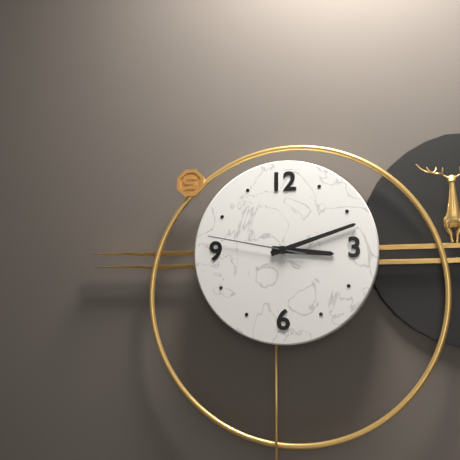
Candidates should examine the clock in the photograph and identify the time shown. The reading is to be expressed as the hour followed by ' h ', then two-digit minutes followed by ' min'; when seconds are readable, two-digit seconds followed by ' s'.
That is 3 h 12 min 47 s
